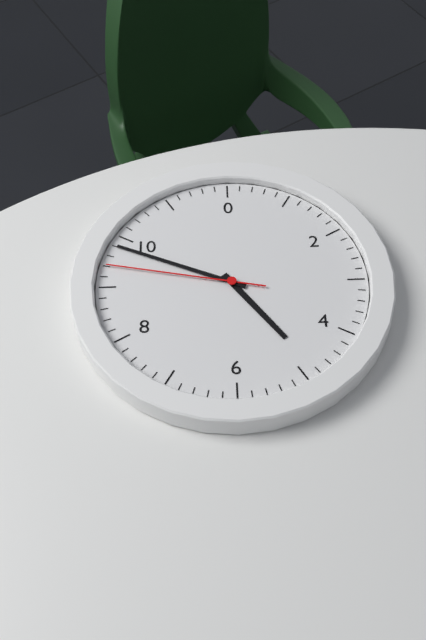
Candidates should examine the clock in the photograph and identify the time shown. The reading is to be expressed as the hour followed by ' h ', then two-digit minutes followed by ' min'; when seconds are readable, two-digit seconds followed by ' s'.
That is 4 h 49 min 47 s
